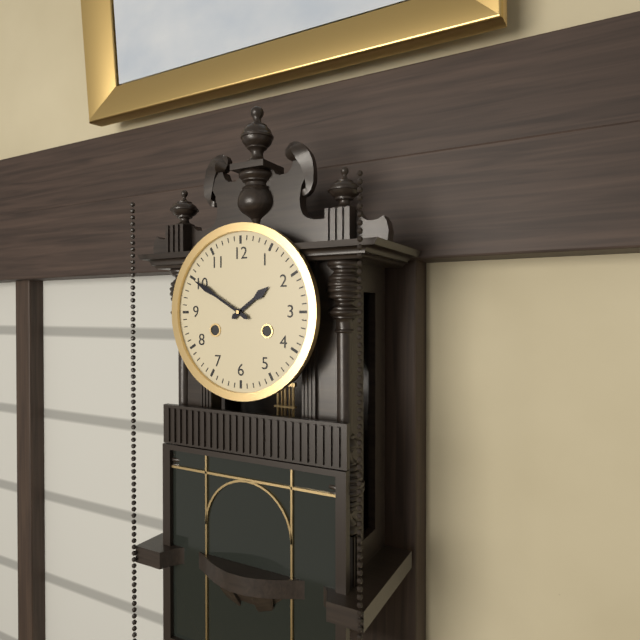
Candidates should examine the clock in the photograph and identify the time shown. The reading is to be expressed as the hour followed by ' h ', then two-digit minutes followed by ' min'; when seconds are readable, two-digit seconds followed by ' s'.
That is 1 h 50 min
